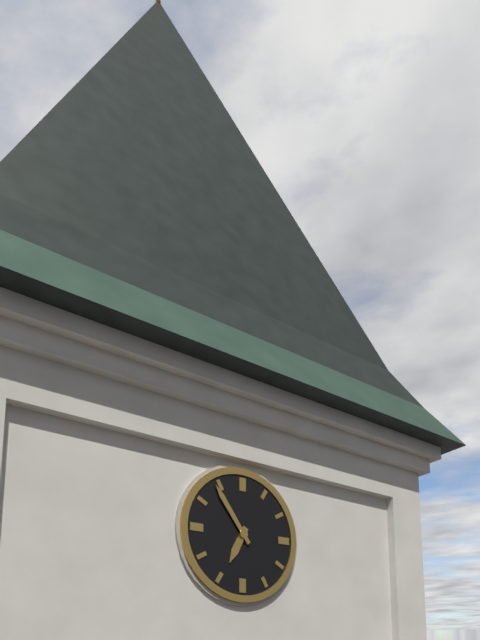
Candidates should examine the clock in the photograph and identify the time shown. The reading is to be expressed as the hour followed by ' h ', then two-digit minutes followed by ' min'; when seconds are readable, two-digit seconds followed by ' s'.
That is 6 h 54 min
